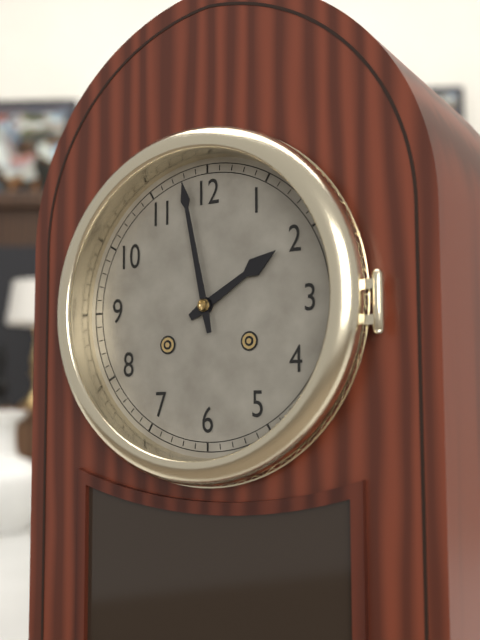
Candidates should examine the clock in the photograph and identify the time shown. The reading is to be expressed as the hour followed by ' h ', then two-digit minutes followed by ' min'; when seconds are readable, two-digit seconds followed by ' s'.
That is 1 h 58 min
